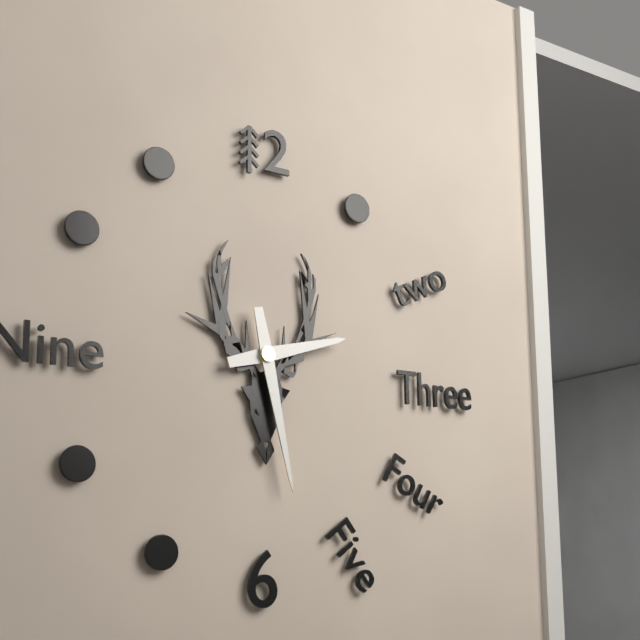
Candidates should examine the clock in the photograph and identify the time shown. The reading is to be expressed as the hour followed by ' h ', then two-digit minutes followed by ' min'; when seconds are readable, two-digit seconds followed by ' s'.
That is 2 h 28 min
